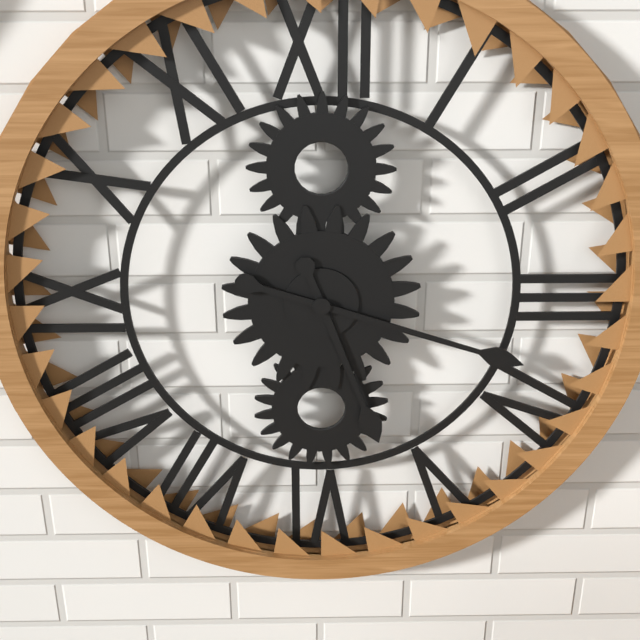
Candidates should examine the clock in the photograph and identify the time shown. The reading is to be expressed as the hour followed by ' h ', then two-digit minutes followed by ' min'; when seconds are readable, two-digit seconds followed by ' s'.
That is 5 h 18 min
